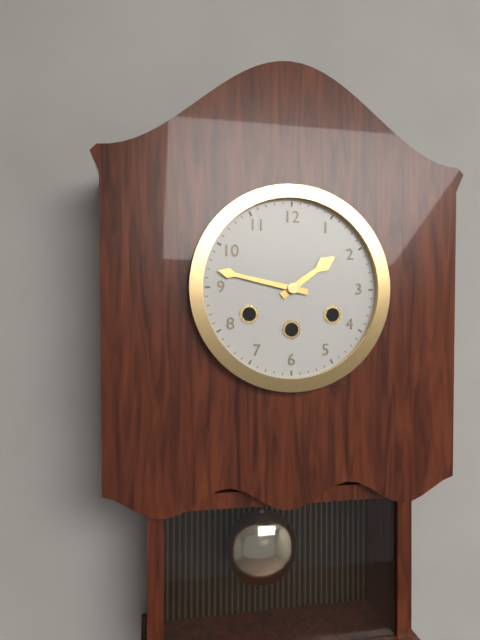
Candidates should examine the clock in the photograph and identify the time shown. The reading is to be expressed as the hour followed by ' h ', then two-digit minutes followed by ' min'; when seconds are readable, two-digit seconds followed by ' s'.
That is 1 h 47 min
